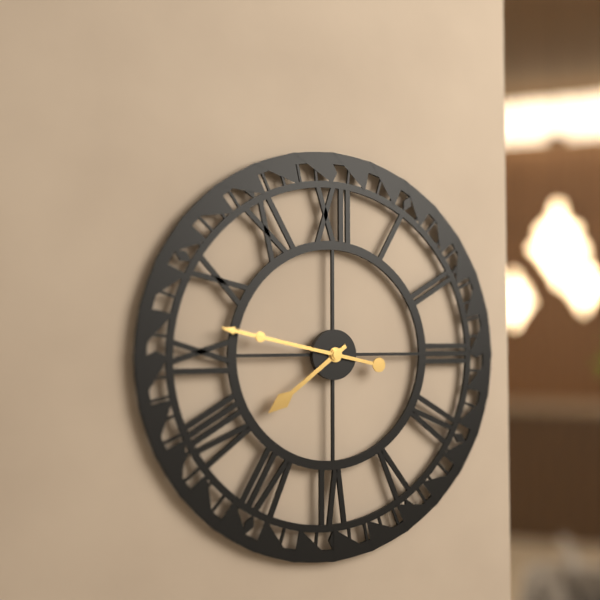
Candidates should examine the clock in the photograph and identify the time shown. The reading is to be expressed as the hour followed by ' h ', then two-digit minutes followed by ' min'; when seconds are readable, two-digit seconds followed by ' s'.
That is 7 h 47 min
